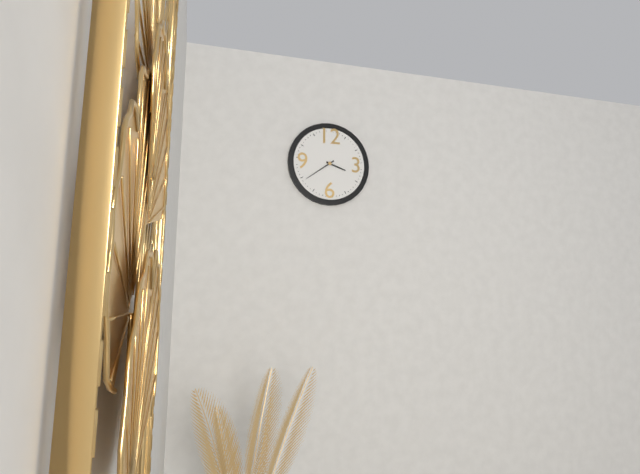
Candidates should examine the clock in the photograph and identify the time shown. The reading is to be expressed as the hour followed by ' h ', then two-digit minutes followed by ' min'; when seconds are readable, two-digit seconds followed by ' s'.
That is 3 h 39 min
